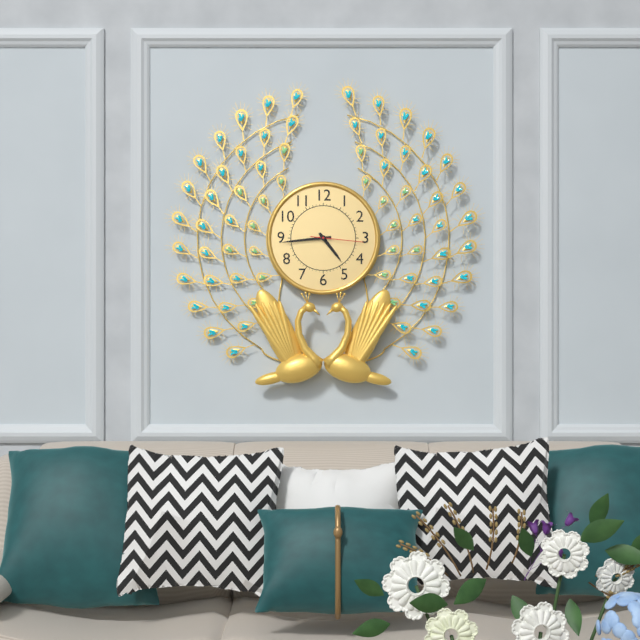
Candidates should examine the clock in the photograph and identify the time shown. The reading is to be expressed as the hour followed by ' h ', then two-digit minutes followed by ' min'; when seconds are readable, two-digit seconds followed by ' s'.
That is 4 h 44 min 16 s
